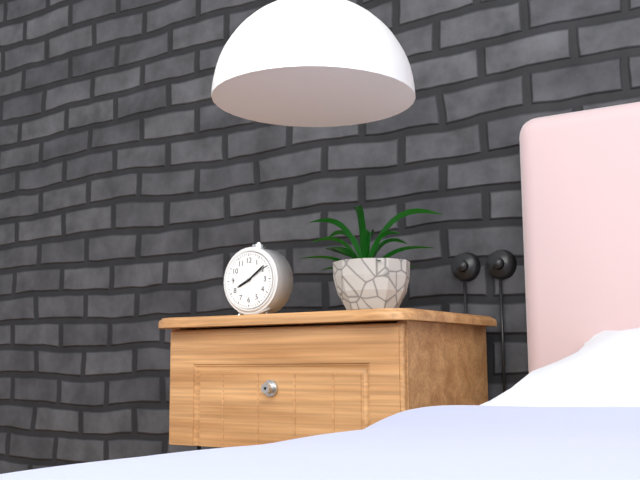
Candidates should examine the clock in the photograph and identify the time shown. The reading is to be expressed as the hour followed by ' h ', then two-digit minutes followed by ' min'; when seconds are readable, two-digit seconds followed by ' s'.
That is 8 h 09 min
